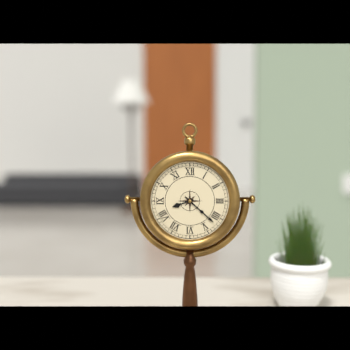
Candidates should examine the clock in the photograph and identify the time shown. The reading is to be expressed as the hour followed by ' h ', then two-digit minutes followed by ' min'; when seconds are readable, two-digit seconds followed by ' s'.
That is 8 h 22 min
